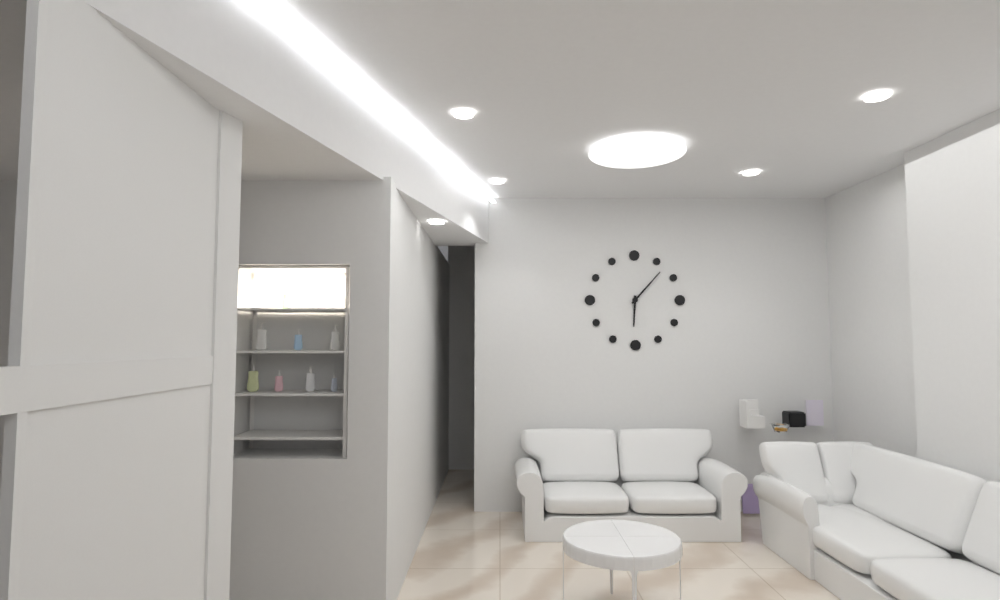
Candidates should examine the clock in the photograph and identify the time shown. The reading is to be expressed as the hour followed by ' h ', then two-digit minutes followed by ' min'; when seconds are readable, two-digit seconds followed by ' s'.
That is 6 h 07 min
